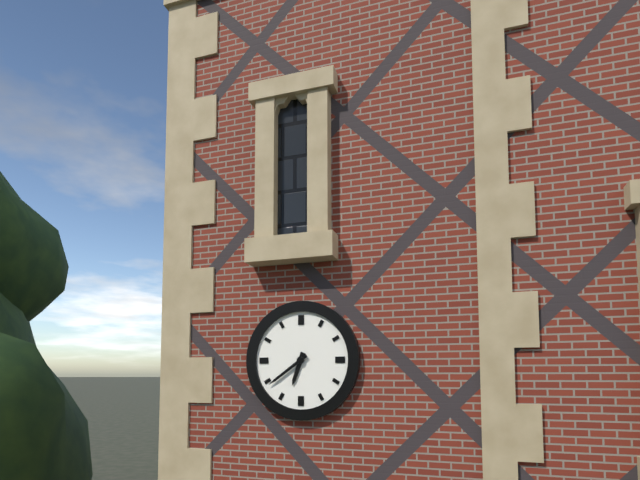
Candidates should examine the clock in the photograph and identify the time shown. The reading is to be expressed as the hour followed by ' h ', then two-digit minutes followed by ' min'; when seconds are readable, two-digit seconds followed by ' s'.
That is 6 h 39 min
